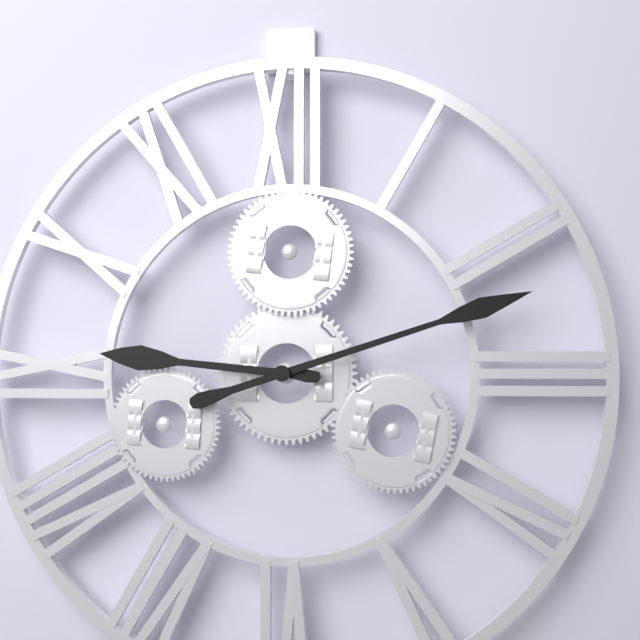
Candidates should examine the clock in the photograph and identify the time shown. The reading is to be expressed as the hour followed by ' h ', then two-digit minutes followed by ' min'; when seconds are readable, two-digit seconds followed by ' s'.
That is 9 h 12 min
